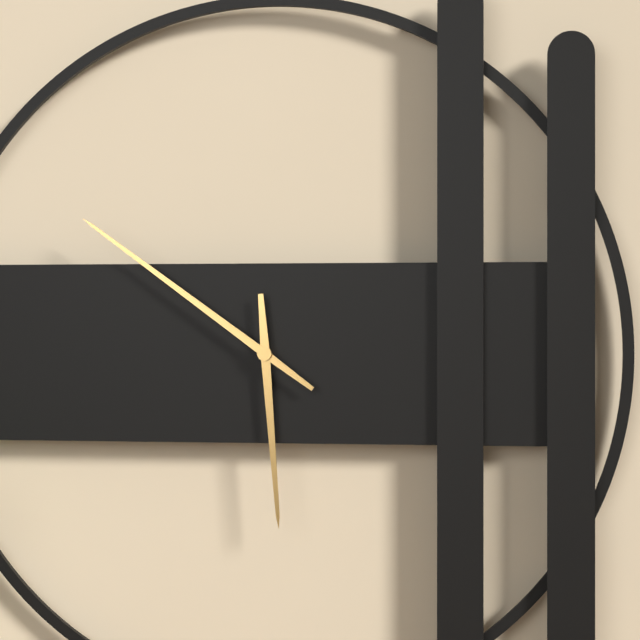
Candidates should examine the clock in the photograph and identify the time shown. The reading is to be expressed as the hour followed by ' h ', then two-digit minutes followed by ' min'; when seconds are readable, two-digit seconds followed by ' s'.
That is 5 h 51 min
